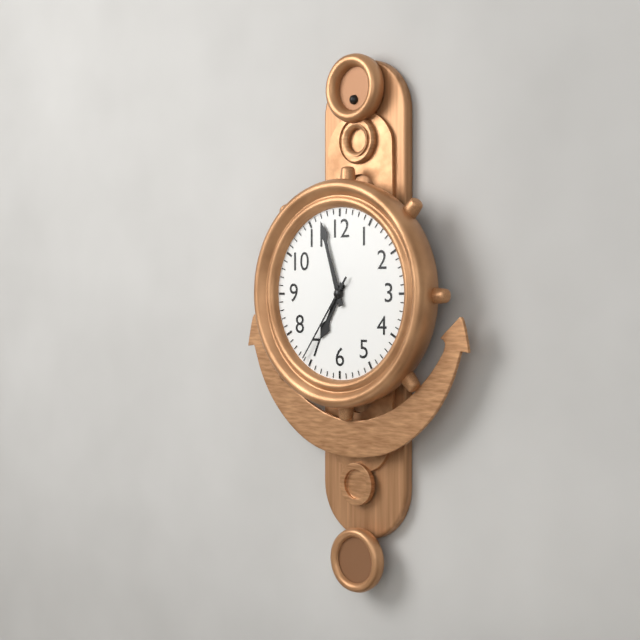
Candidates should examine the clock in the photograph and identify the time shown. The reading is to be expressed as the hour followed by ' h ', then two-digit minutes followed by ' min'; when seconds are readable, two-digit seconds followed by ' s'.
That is 6 h 57 min 36 s
